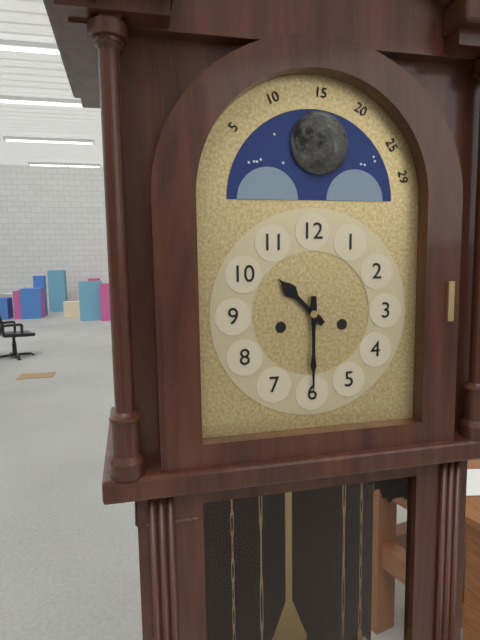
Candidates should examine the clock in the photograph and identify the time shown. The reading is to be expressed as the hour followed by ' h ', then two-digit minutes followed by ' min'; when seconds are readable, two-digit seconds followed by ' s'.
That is 10 h 30 min
